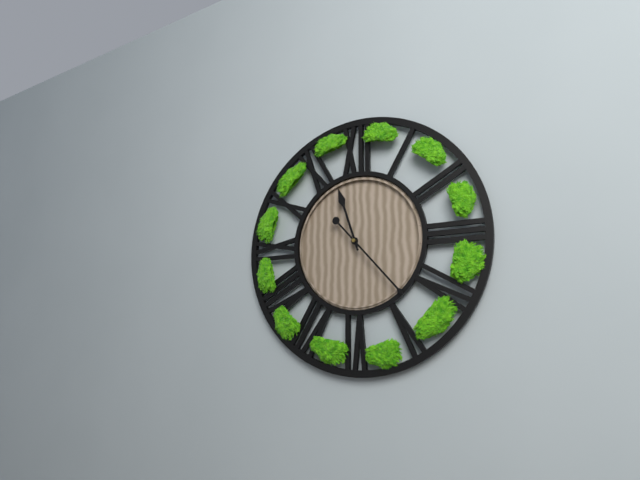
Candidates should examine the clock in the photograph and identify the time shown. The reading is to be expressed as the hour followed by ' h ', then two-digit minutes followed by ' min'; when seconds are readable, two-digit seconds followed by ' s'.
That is 11 h 23 min
